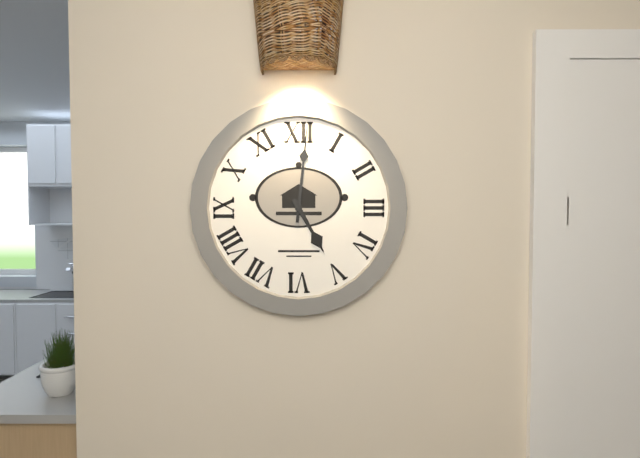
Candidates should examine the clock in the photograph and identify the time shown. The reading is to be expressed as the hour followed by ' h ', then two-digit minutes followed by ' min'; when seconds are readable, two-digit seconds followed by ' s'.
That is 5 h 01 min
